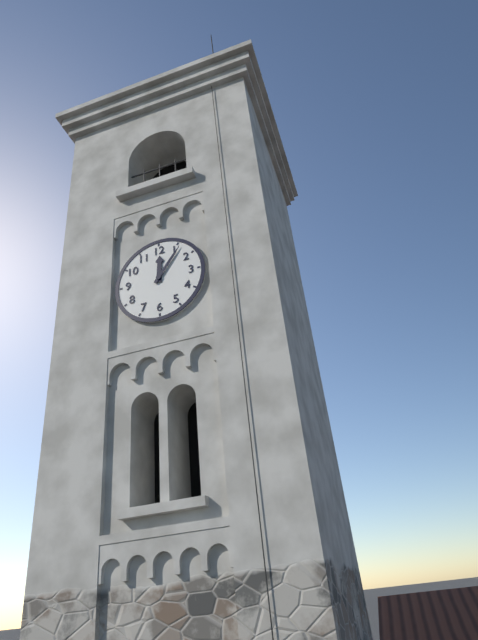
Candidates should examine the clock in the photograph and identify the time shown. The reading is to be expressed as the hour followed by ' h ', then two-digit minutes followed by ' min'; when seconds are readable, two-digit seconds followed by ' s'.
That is 12 h 06 min
